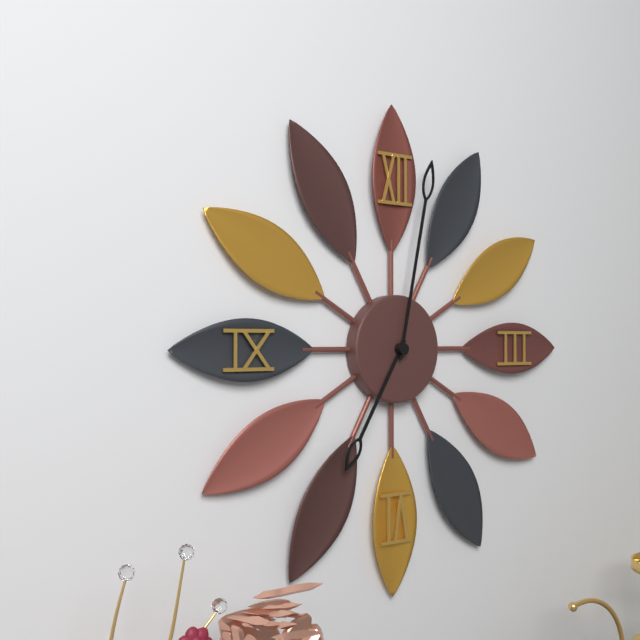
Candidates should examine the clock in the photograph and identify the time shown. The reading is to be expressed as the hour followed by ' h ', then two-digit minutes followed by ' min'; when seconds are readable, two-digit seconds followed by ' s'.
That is 7 h 02 min
